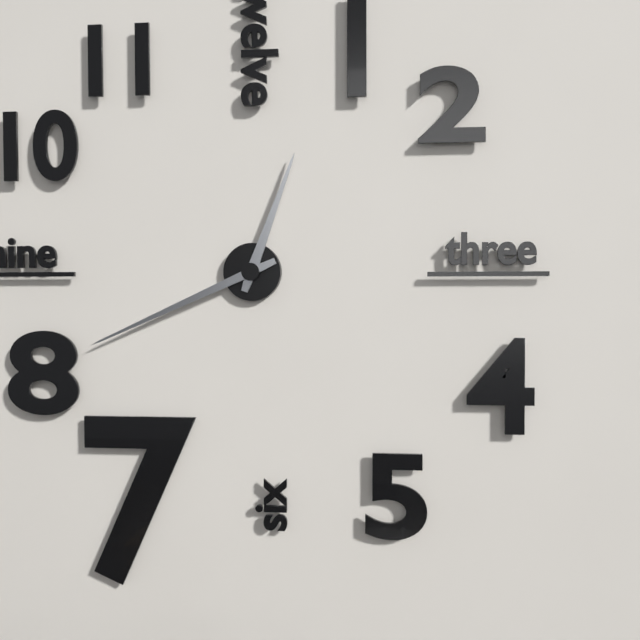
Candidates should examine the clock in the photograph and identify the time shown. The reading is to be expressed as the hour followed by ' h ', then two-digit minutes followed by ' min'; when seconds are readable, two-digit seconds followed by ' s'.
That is 12 h 41 min
